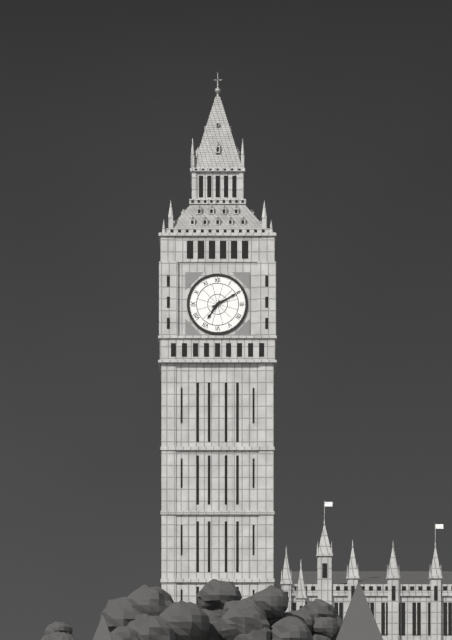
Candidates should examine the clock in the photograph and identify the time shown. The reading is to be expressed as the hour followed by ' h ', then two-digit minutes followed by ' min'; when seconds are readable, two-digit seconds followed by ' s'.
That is 7 h 10 min
